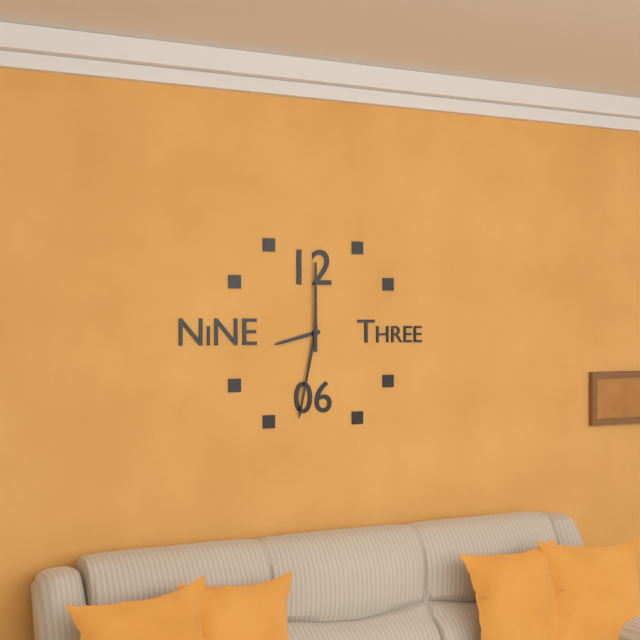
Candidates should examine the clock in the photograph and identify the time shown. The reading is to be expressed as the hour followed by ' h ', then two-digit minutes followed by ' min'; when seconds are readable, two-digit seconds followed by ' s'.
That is 8 h 32 min 00 s
